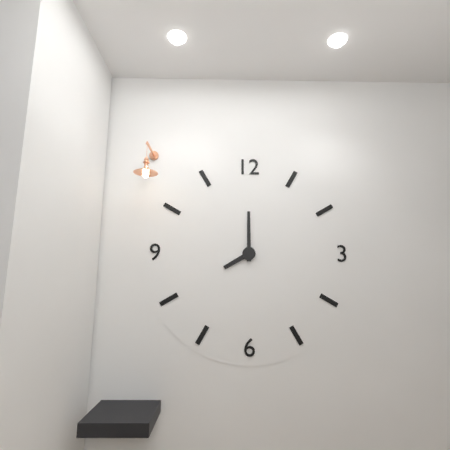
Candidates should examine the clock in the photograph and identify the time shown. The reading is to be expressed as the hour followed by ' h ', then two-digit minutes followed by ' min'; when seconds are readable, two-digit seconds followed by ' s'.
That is 8 h 00 min
